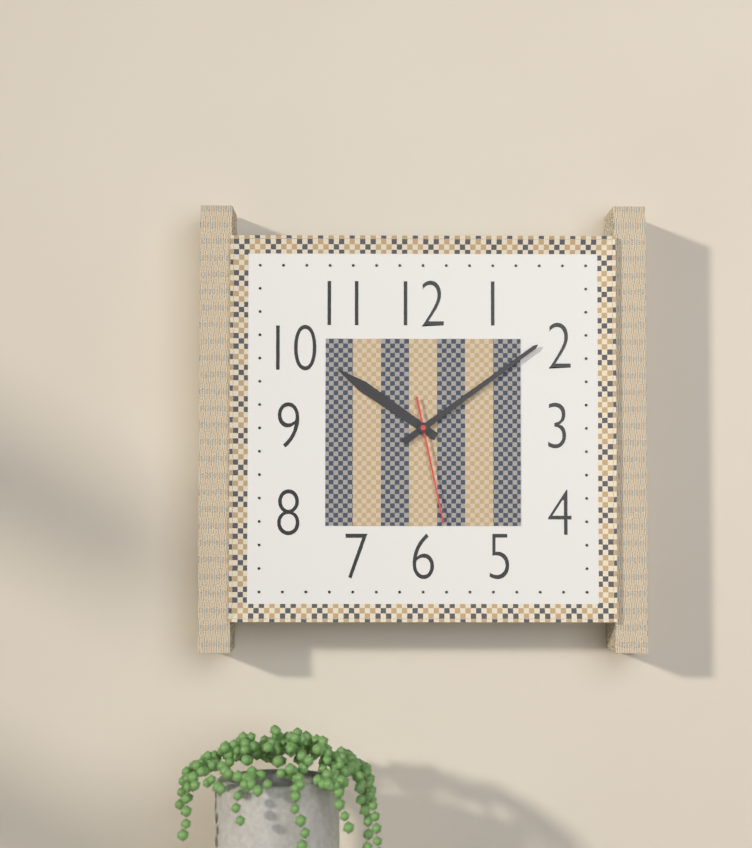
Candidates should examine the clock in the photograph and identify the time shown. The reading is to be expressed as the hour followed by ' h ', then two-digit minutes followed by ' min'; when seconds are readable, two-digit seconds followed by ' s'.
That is 10 h 09 min 28 s
